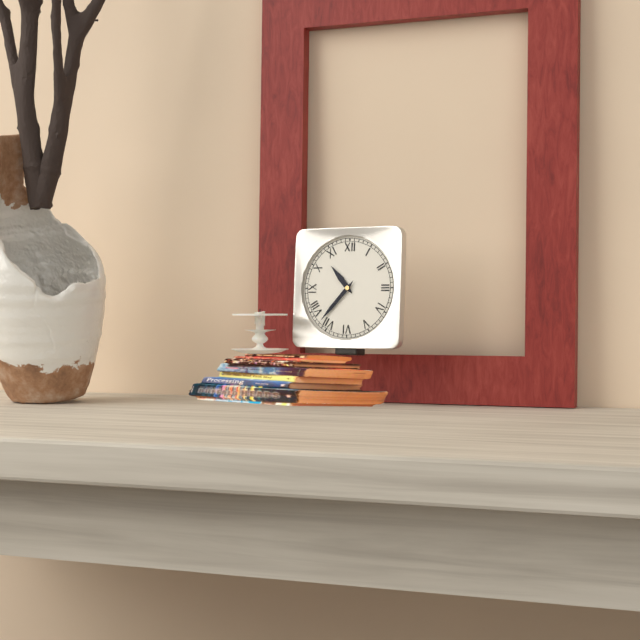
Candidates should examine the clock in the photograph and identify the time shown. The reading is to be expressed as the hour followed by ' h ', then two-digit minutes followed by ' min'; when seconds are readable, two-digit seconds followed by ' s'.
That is 10 h 37 min
